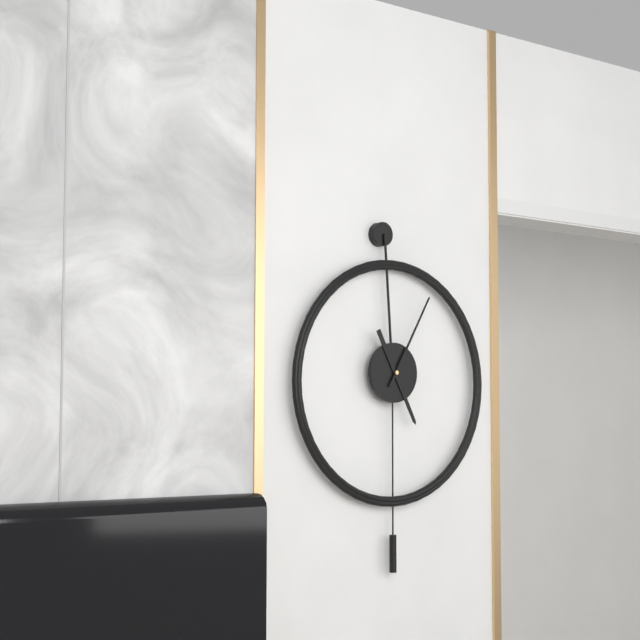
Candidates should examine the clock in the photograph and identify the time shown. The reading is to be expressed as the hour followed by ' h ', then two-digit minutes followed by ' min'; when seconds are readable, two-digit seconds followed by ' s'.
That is 5 h 05 min
